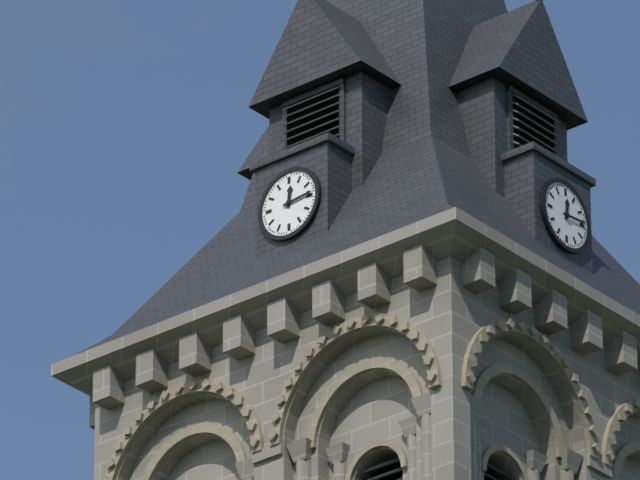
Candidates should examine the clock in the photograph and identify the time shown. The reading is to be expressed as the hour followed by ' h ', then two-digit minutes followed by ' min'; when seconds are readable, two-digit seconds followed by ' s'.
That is 12 h 14 min
